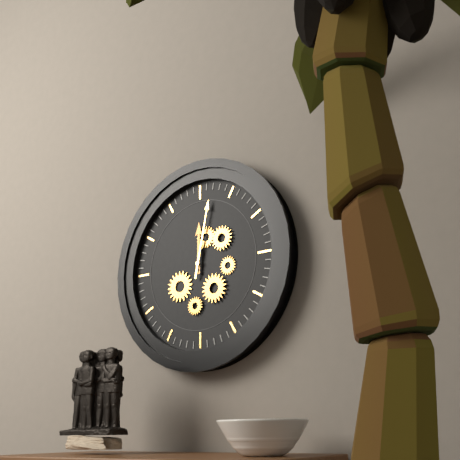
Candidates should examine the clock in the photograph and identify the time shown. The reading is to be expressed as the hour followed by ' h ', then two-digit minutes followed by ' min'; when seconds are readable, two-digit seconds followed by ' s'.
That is 12 h 02 min
